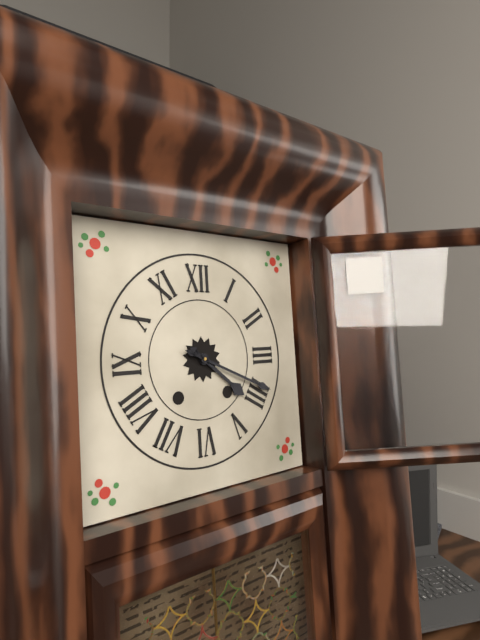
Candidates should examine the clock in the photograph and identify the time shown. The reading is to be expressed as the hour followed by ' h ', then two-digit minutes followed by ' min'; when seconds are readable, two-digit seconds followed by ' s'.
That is 4 h 19 min
